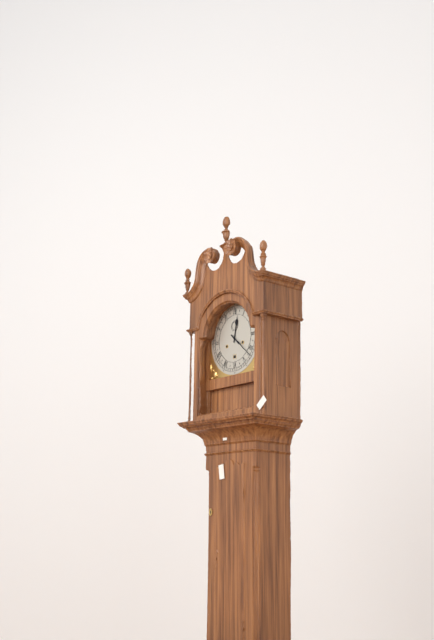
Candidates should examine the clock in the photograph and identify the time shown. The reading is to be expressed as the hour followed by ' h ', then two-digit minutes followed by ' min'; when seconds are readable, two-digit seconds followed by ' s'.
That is 12 h 22 min
